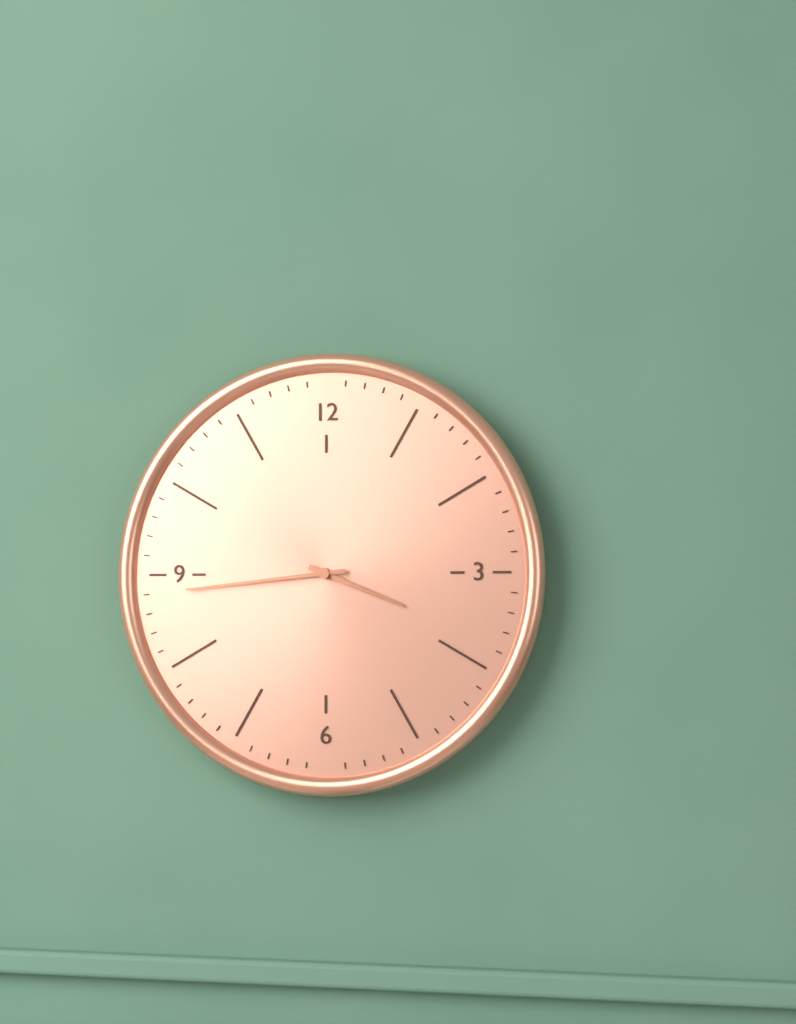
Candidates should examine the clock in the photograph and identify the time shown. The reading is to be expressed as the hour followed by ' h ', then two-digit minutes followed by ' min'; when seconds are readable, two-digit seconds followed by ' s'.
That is 3 h 44 min
